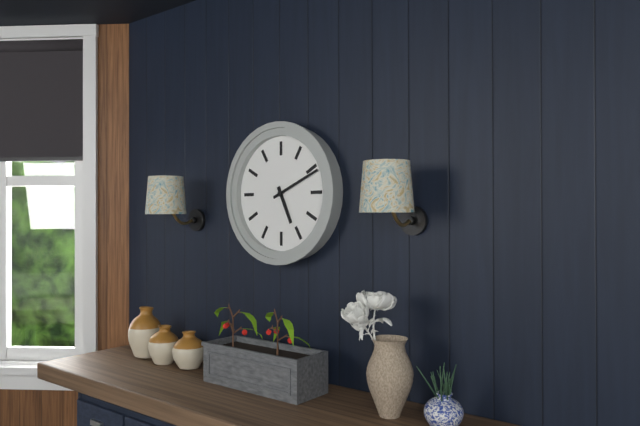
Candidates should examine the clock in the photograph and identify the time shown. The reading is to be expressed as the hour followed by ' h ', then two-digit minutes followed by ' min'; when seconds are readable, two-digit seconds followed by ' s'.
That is 5 h 11 min
